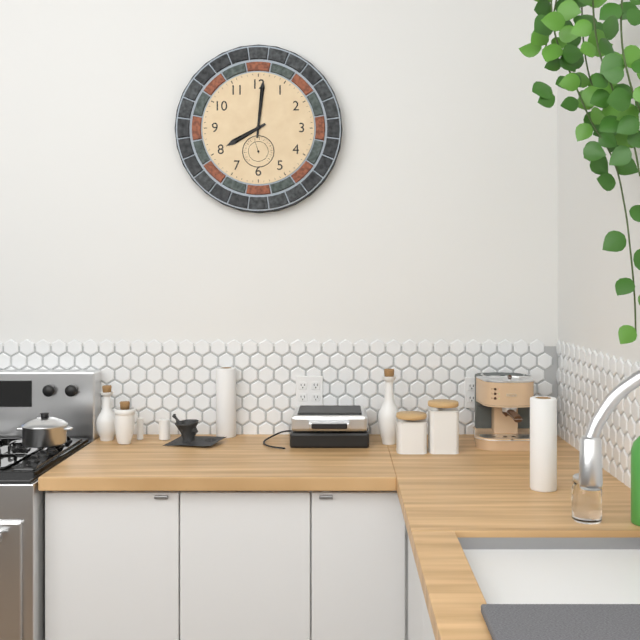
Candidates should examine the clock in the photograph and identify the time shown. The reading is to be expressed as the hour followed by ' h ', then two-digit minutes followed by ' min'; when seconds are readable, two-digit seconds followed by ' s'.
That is 8 h 01 min
